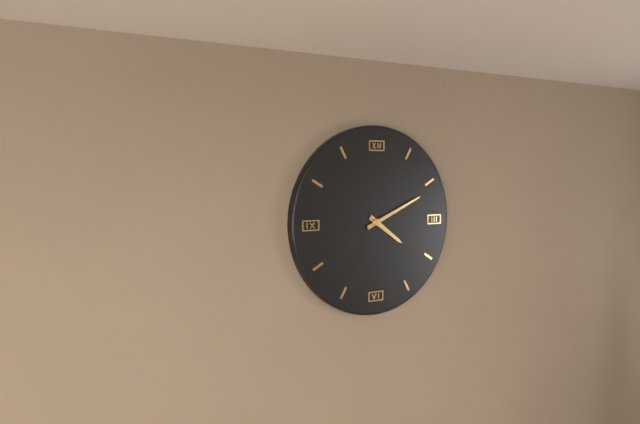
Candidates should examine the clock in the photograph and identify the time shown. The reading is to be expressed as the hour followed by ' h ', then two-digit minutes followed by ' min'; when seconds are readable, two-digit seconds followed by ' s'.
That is 4 h 11 min
